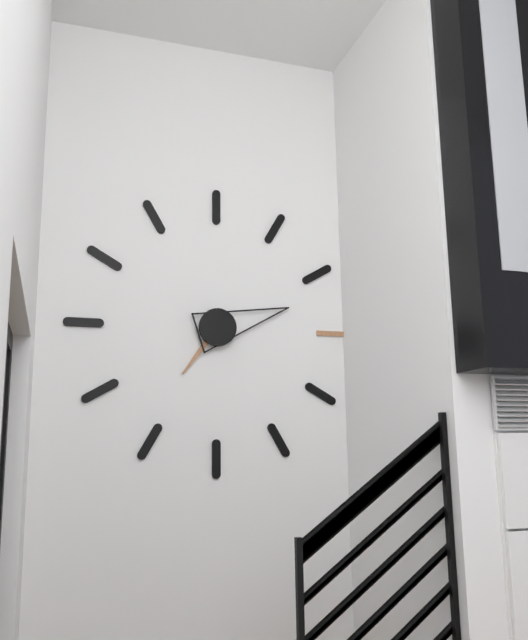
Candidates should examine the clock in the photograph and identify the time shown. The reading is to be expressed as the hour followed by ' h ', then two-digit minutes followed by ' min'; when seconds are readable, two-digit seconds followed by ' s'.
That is 7 h 12 min
